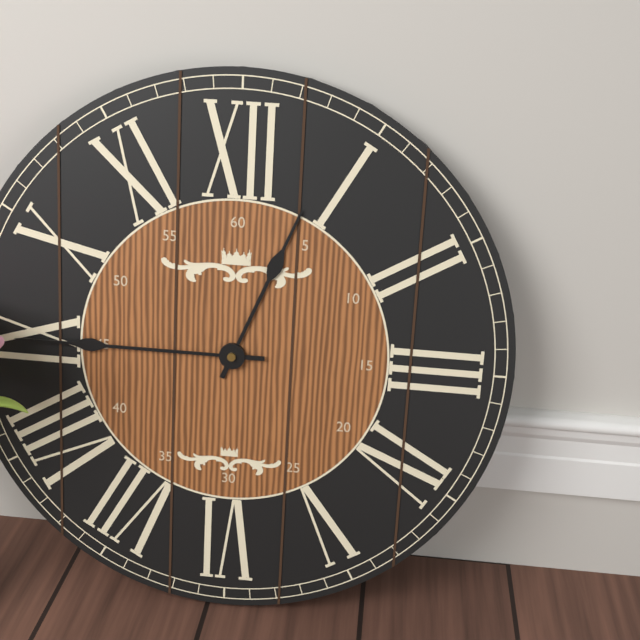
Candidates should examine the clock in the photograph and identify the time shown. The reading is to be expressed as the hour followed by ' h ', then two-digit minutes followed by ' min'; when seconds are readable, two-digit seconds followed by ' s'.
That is 12 h 45 min
